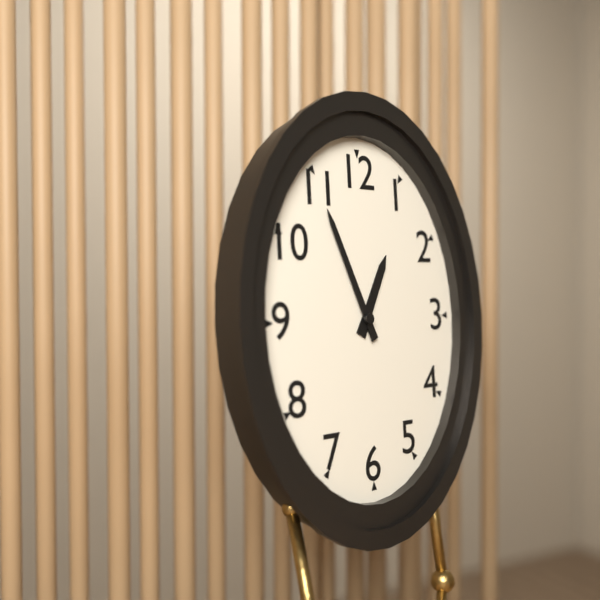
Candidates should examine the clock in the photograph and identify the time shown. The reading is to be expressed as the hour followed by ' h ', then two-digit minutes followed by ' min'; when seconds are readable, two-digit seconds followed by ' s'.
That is 12 h 56 min
